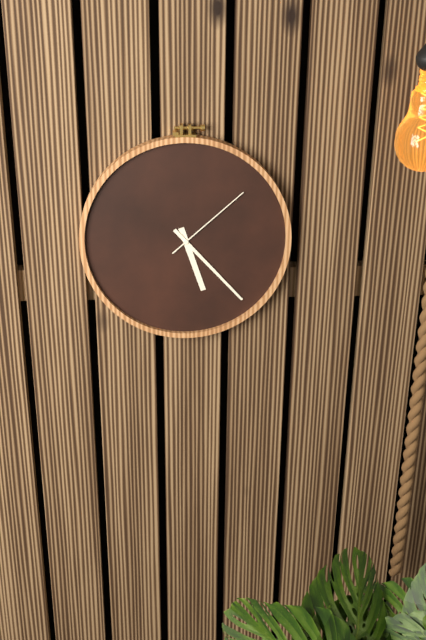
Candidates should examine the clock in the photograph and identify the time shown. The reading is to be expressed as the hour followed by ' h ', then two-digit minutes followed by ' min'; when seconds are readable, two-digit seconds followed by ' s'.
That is 5 h 23 min 08 s
